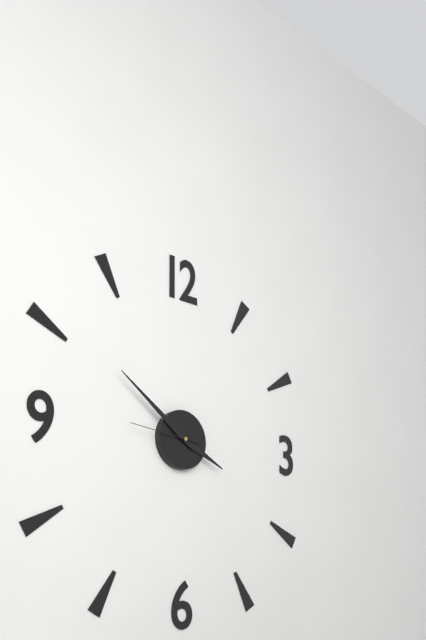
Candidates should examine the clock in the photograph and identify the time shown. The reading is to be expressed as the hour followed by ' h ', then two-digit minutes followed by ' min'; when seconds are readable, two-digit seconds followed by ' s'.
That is 3 h 51 min 46 s
